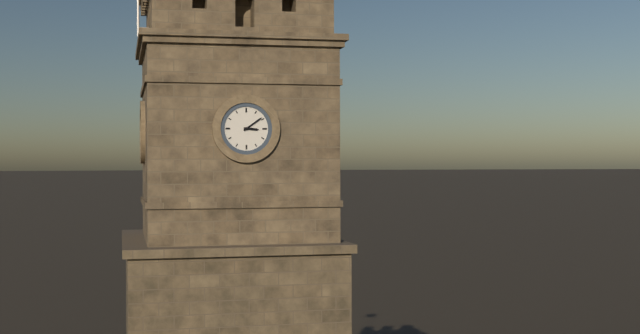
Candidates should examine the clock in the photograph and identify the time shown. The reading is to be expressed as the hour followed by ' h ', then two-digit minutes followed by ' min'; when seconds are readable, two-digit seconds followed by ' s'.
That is 3 h 09 min
